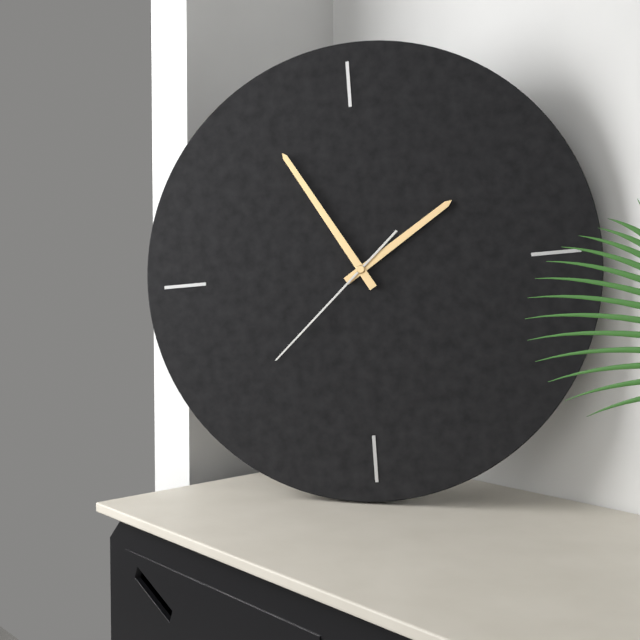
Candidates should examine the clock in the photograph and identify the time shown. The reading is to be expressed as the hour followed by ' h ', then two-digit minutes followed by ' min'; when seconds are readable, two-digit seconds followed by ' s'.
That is 1 h 55 min 38 s
